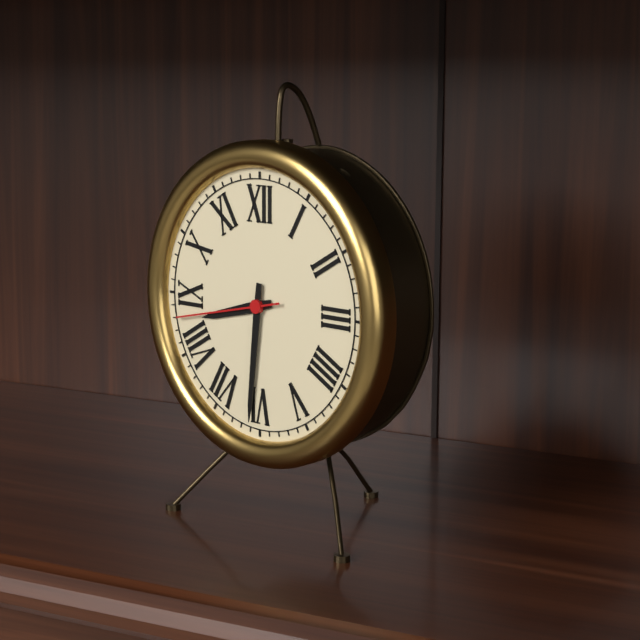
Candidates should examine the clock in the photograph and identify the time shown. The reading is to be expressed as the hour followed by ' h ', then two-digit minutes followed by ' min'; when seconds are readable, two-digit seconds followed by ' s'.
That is 8 h 31 min 43 s
